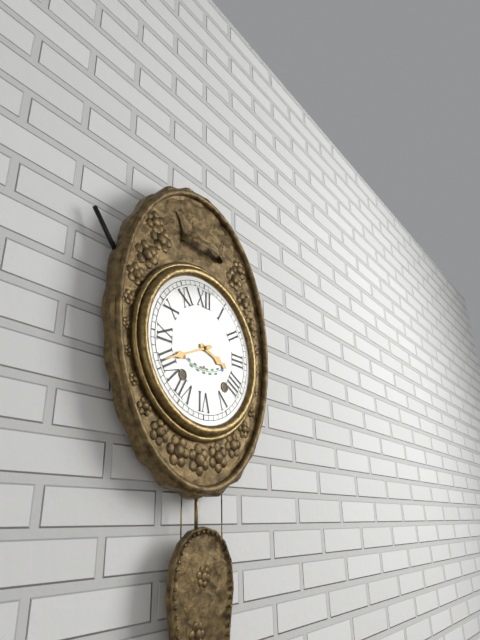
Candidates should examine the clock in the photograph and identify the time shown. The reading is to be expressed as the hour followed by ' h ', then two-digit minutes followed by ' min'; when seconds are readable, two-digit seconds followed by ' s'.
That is 3 h 41 min
